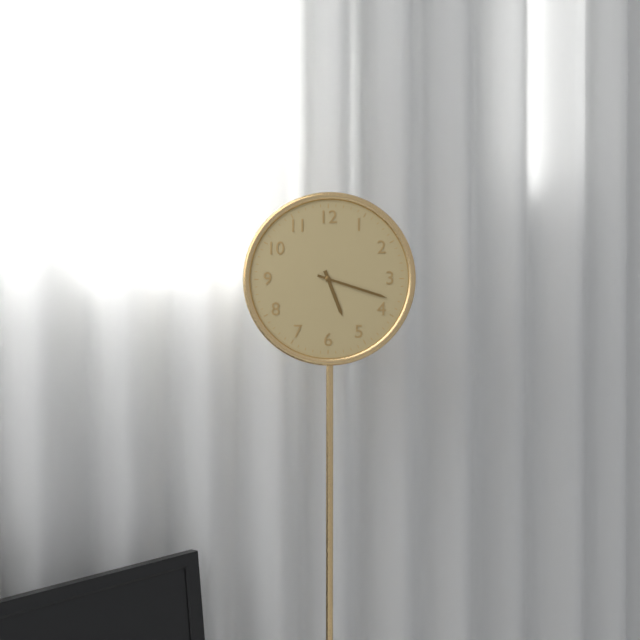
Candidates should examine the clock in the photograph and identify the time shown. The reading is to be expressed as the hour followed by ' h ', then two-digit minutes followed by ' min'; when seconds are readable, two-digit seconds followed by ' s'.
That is 5 h 18 min
